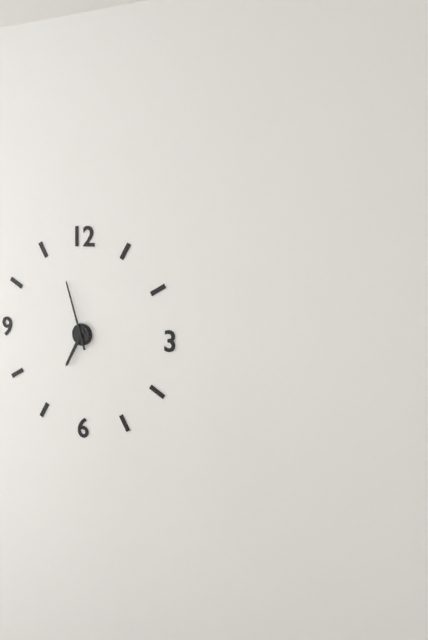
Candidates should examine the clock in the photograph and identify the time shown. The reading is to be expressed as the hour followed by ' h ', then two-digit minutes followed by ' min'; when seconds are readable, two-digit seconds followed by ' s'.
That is 6 h 57 min
